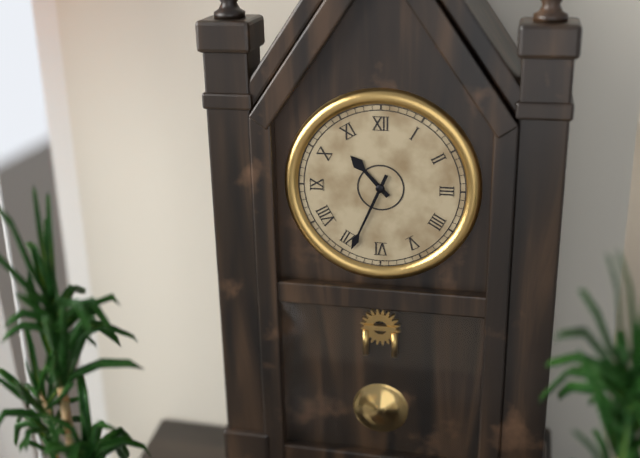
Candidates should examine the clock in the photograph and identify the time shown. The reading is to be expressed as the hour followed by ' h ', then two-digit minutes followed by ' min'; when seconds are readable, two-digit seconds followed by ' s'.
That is 10 h 34 min
